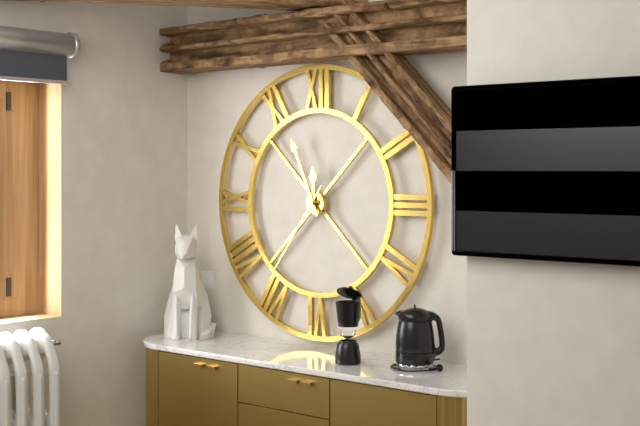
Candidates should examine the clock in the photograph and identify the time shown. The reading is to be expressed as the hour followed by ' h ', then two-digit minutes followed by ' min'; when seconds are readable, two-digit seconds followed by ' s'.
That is 11 h 56 min 36 s
